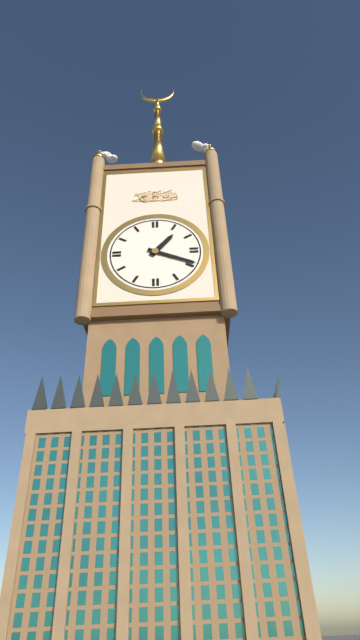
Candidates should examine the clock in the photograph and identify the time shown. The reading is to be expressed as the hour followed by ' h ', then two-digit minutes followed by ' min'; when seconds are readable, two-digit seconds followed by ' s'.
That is 1 h 19 min
